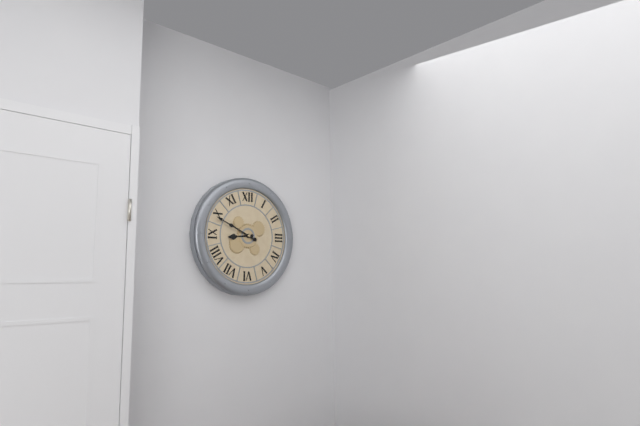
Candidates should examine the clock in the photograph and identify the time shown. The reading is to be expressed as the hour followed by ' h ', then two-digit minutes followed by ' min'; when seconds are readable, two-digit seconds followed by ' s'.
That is 8 h 49 min
